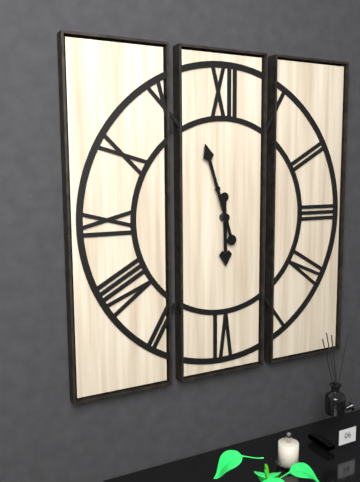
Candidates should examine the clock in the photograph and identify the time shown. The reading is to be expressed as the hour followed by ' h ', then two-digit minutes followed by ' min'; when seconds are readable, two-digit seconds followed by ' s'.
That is 5 h 57 min
